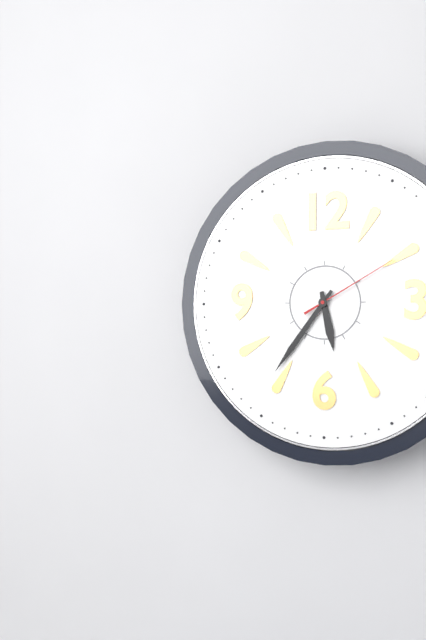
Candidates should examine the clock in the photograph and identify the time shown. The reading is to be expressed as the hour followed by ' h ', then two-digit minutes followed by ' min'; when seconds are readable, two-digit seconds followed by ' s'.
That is 5 h 36 min 10 s
